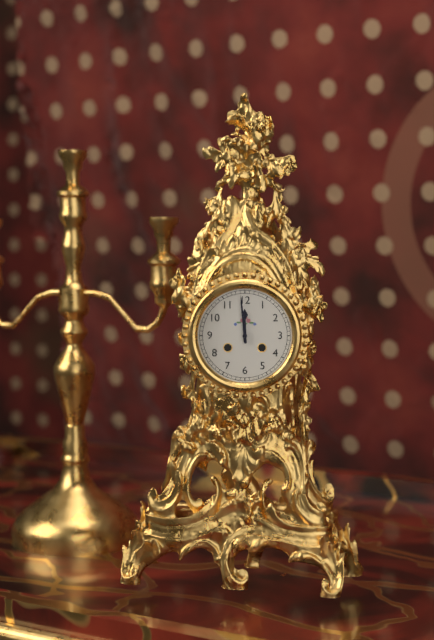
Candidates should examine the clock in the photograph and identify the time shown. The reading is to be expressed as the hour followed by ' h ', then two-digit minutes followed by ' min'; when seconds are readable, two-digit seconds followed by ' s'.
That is 11 h 59 min
